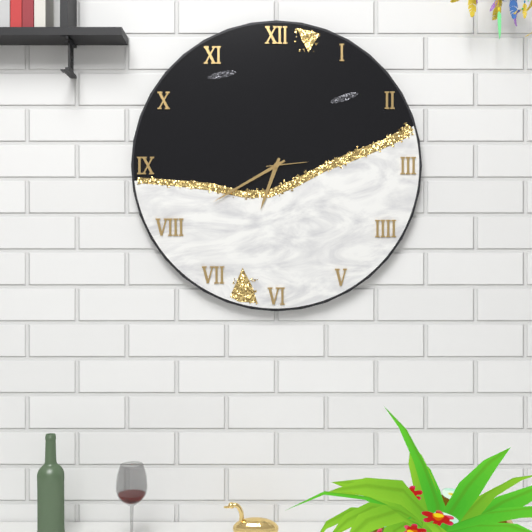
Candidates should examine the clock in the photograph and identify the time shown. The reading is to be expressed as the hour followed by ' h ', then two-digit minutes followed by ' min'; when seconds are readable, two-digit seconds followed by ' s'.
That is 6 h 40 min
